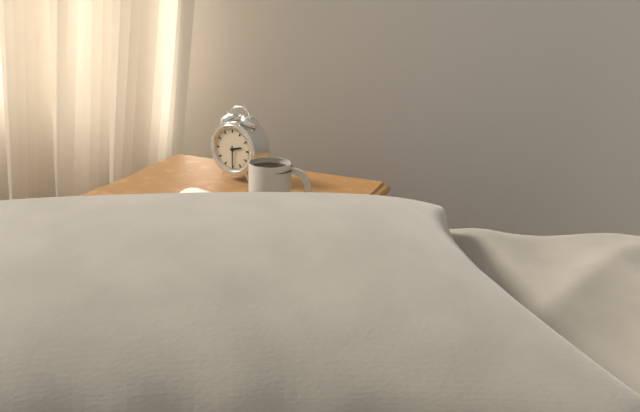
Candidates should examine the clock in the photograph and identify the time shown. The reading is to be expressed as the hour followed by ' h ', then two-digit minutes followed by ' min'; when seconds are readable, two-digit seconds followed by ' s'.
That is 2 h 30 min
